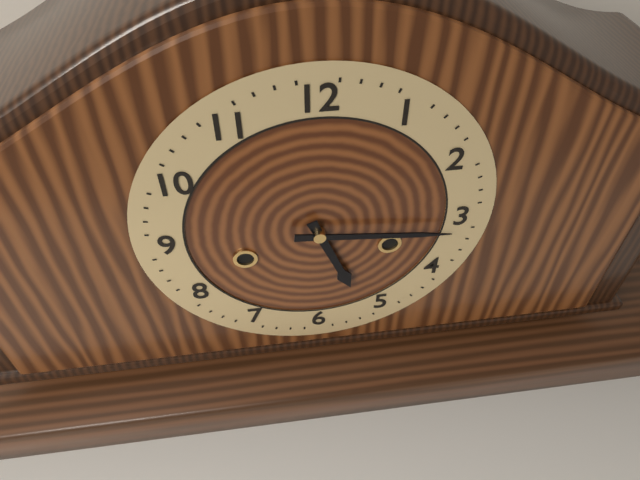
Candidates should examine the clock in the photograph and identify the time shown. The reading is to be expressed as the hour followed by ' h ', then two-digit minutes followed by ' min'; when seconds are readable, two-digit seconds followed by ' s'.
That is 5 h 16 min
